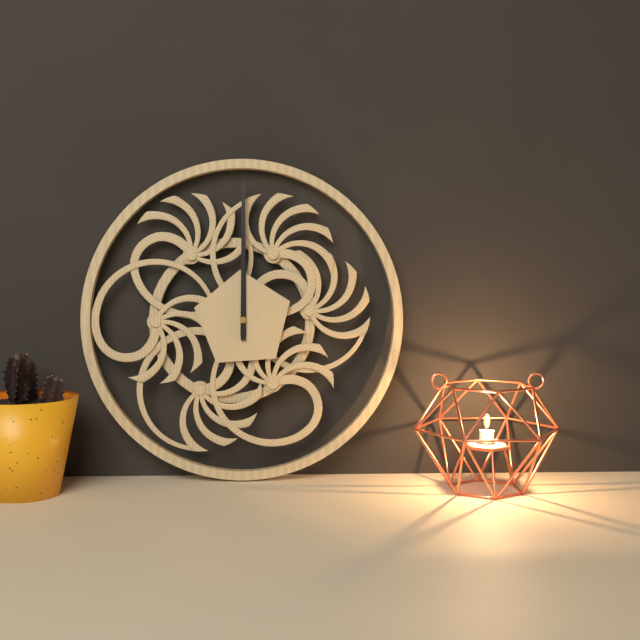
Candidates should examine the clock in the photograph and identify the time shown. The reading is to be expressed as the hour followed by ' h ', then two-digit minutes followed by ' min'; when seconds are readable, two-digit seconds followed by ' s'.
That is 12 h 00 min
